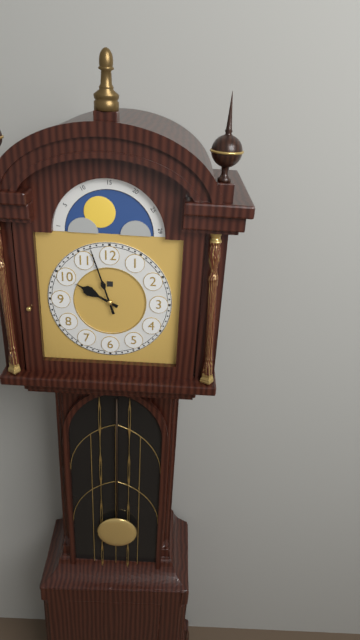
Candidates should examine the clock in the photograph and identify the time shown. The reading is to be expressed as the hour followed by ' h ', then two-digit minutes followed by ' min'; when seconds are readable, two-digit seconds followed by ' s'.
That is 9 h 57 min
